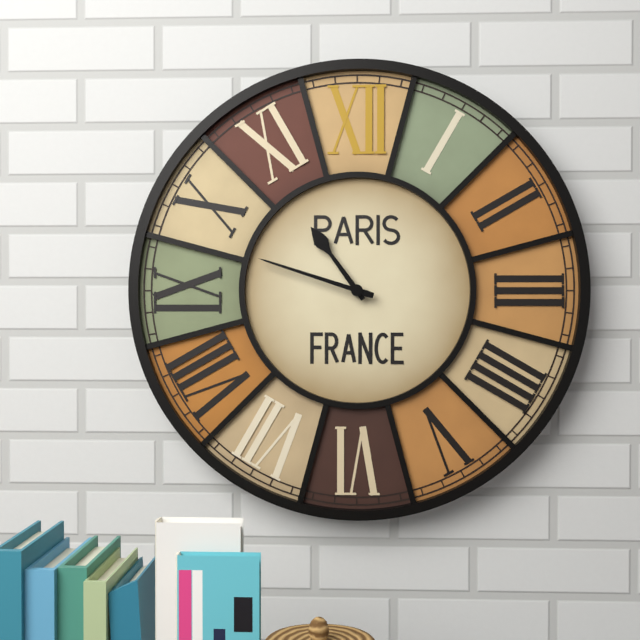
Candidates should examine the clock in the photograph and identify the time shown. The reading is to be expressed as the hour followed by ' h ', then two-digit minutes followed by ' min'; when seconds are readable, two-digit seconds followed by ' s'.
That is 10 h 48 min
